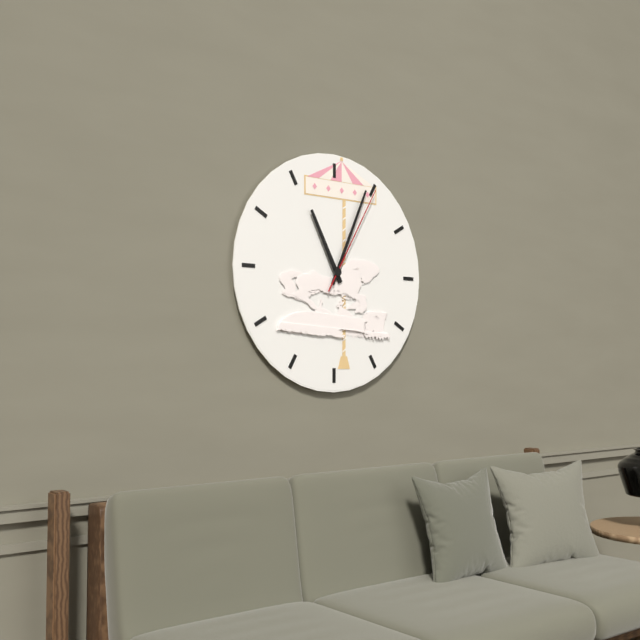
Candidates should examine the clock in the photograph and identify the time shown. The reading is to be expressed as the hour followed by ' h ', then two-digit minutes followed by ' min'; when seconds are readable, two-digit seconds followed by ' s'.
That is 11 h 04 min 05 s
